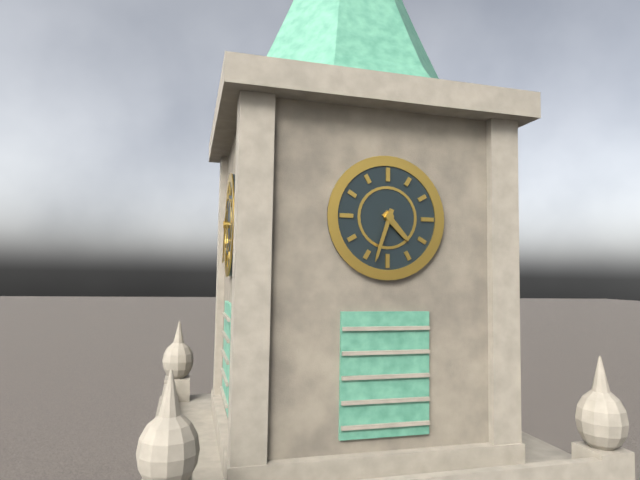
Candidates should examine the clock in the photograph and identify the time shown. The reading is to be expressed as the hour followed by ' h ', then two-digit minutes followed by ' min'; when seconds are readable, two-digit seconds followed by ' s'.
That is 4 h 33 min
